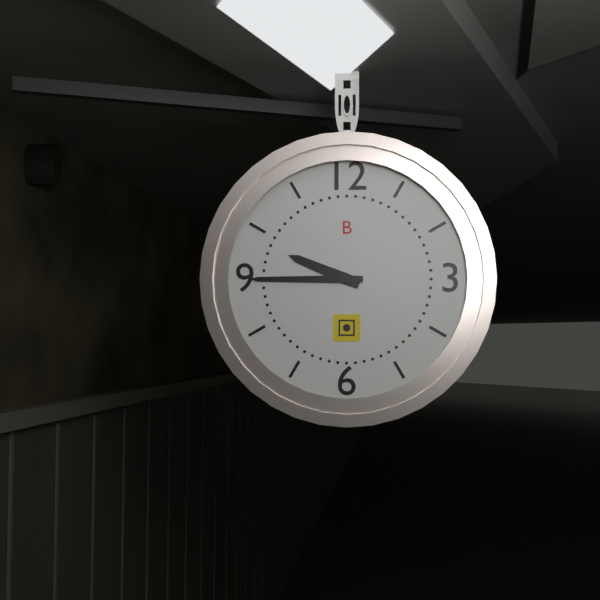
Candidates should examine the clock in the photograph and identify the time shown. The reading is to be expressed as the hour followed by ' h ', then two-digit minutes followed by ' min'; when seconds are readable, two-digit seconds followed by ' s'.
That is 9 h 45 min
